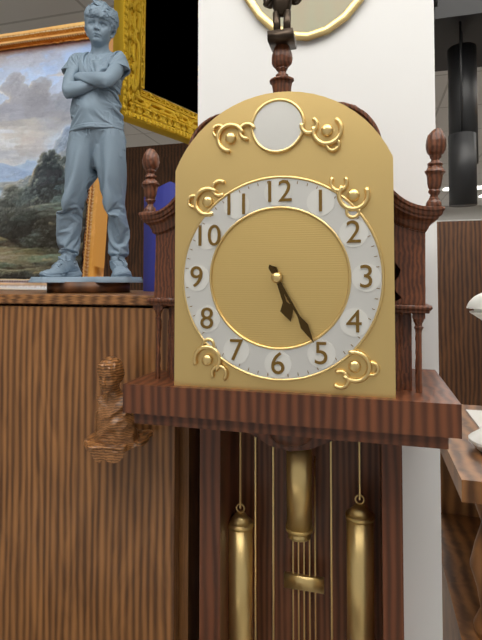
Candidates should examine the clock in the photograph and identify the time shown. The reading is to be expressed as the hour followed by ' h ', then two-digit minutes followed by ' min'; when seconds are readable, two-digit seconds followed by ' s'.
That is 5 h 25 min
